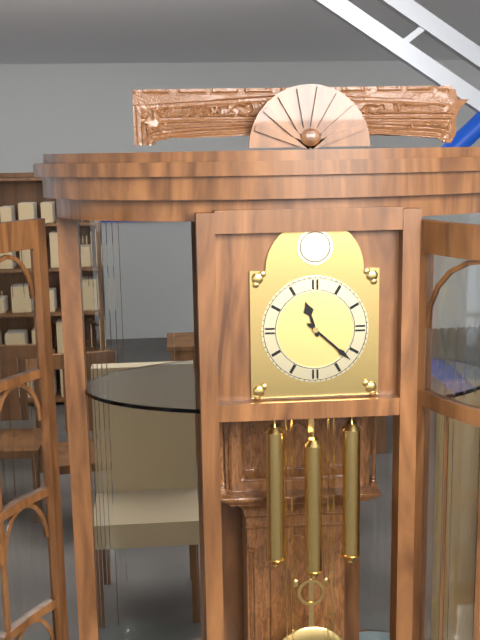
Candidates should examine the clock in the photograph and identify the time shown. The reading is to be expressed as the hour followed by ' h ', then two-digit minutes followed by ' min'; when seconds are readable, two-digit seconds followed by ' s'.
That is 11 h 22 min
